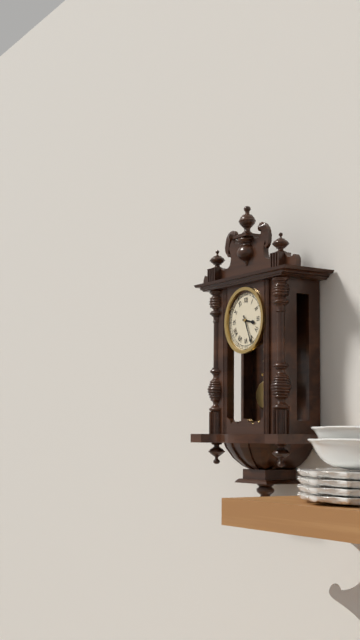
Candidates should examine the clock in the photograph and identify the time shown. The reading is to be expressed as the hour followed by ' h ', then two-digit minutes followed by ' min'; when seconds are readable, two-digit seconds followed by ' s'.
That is 3 h 26 min
